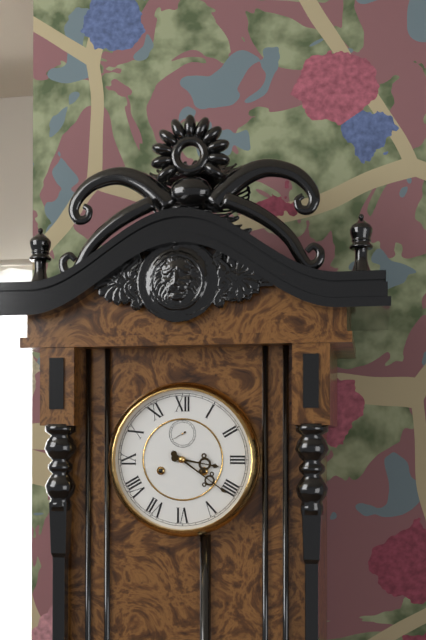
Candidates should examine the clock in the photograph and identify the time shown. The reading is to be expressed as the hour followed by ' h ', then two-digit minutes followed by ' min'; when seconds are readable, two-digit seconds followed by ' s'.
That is 3 h 21 min
